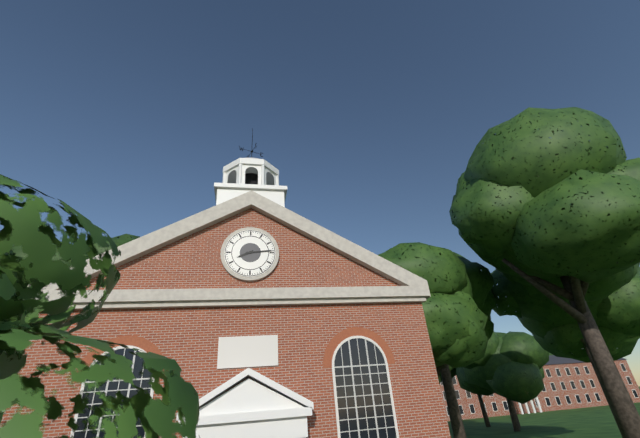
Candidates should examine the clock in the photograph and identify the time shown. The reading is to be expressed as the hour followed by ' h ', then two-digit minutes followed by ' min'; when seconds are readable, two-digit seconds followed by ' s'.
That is 8 h 14 min
